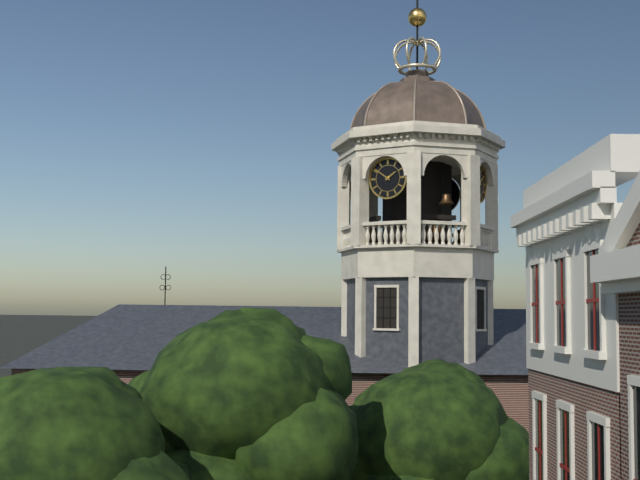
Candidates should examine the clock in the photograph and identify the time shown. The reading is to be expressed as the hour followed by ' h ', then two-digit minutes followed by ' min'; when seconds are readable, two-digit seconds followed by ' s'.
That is 1 h 51 min
